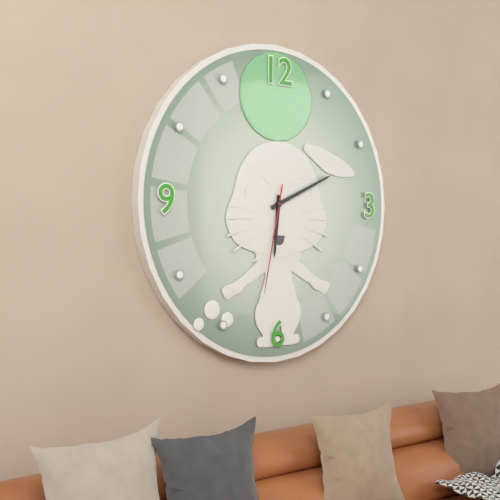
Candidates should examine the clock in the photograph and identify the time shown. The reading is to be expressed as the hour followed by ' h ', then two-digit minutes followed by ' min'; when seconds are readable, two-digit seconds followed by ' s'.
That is 6 h 11 min 32 s
